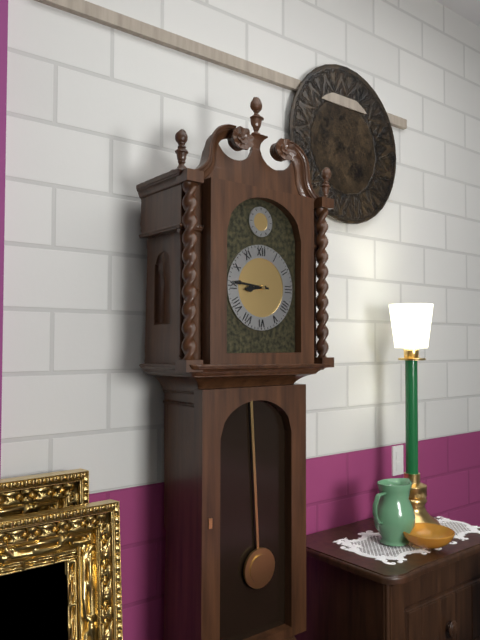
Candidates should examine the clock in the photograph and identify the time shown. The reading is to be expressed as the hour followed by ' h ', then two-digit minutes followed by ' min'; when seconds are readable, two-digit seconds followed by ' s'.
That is 8 h 46 min
